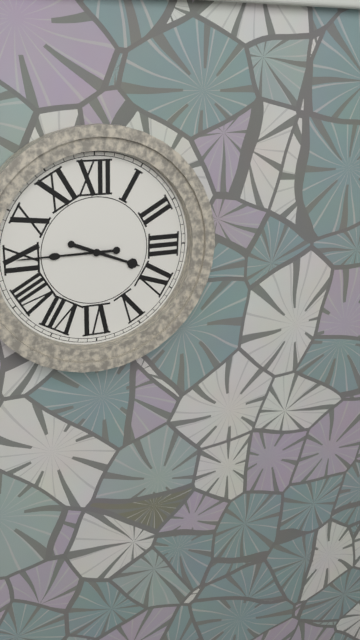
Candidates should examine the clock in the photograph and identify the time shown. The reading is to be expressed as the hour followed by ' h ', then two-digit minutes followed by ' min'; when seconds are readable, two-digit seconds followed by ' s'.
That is 3 h 45 min
